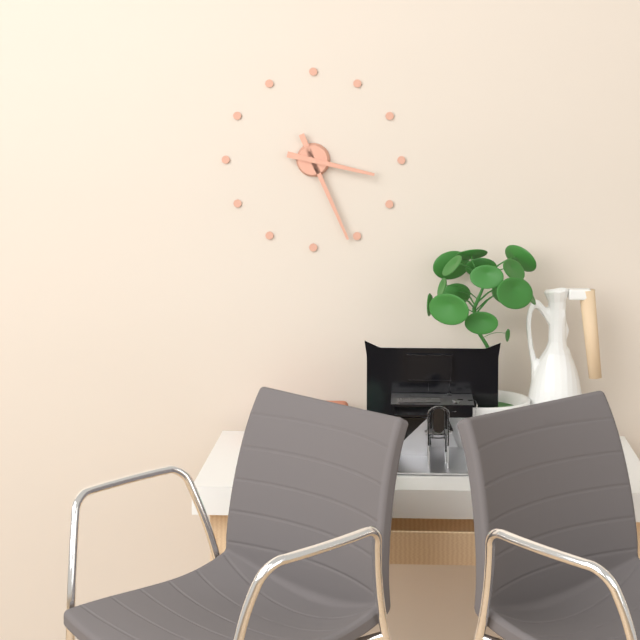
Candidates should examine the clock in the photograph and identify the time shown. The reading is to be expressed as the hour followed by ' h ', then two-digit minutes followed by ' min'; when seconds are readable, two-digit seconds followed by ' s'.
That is 3 h 26 min
